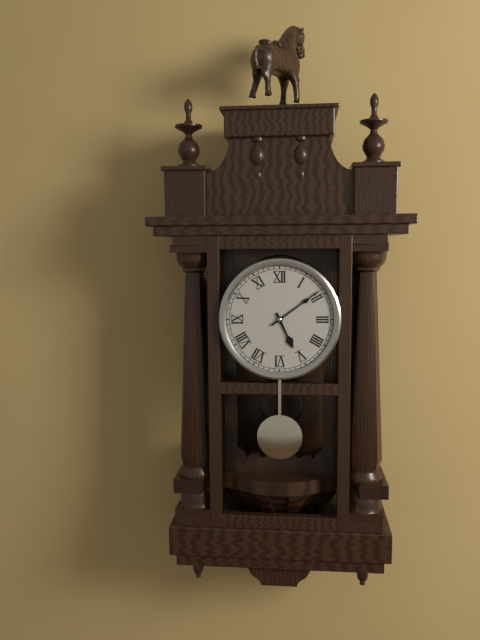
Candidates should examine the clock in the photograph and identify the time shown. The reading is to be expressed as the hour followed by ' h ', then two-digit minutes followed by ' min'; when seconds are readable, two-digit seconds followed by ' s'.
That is 5 h 09 min
